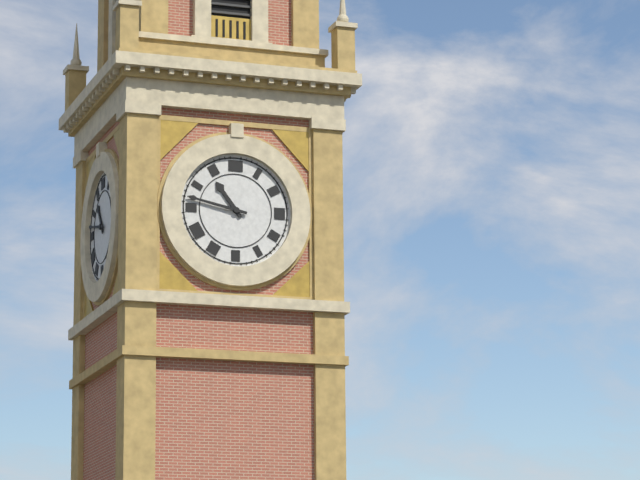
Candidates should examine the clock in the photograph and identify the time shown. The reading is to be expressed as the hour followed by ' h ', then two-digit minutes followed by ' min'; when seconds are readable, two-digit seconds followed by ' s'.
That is 10 h 47 min
